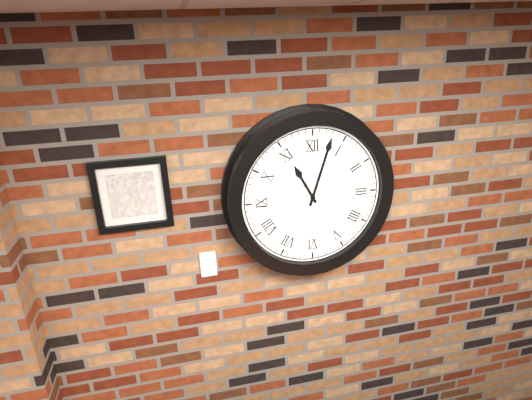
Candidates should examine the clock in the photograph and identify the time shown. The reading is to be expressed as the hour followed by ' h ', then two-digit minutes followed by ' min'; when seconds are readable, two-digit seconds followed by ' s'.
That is 11 h 03 min
